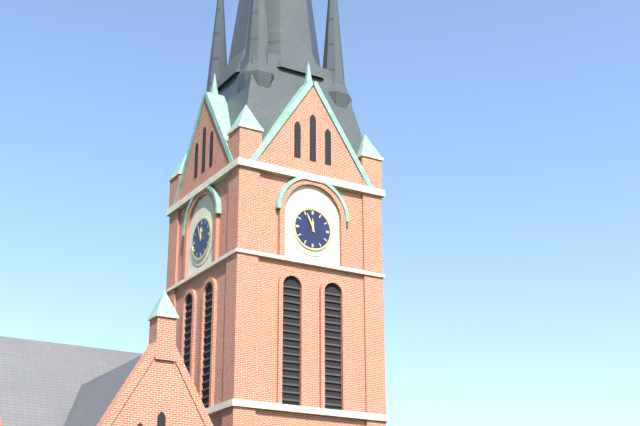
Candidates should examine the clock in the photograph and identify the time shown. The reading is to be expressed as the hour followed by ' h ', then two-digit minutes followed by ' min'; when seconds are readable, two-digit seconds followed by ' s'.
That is 11 h 56 min
